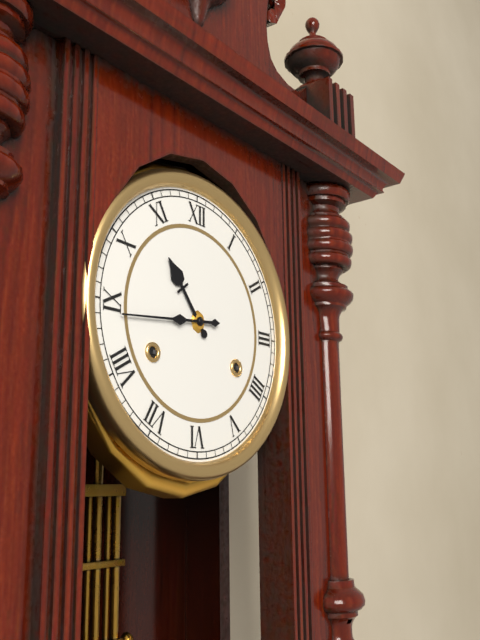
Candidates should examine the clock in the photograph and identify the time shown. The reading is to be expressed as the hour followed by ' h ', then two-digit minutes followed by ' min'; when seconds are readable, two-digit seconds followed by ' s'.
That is 10 h 44 min
